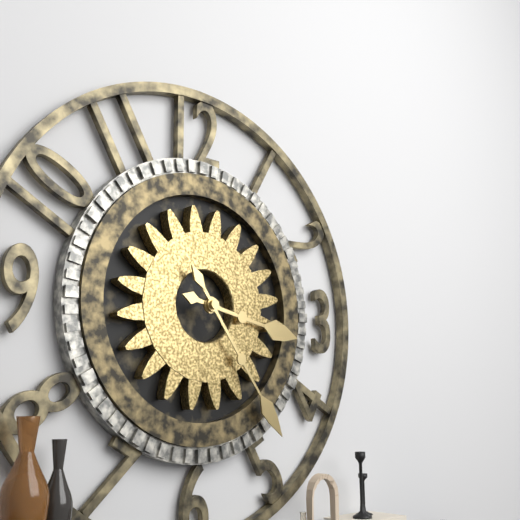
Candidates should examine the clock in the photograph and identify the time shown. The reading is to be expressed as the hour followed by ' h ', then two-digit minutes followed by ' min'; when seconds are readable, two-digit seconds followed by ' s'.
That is 3 h 24 min
